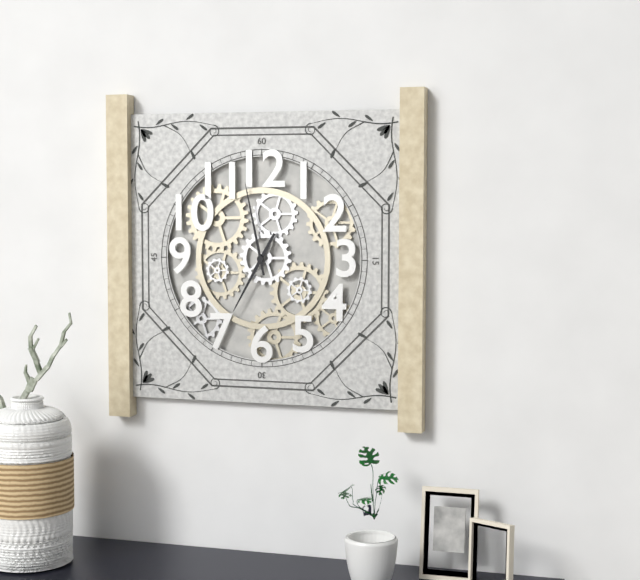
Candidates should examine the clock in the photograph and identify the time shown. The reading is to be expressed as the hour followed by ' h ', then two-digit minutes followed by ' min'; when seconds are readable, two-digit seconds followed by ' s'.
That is 6 h 58 min
